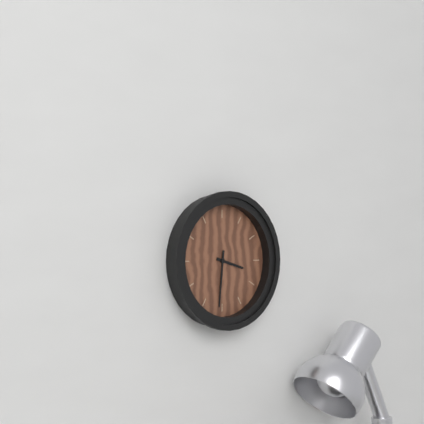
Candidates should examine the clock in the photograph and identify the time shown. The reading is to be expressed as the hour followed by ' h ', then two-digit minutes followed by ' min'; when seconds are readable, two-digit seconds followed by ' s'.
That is 3 h 31 min
